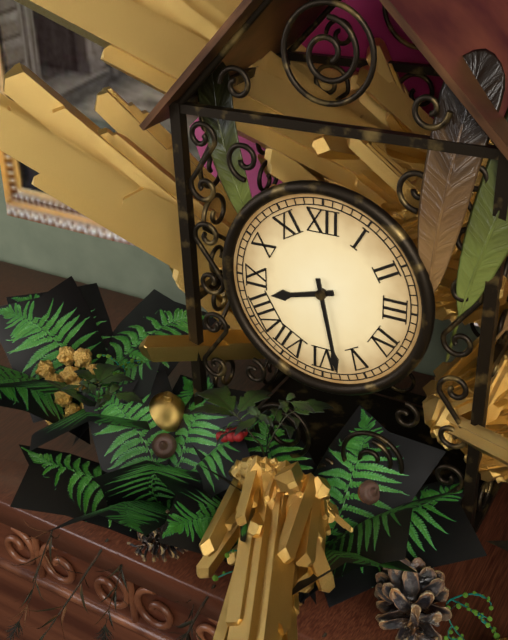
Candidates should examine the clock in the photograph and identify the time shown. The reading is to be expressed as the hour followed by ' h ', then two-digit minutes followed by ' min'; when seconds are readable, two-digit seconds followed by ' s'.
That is 8 h 28 min
